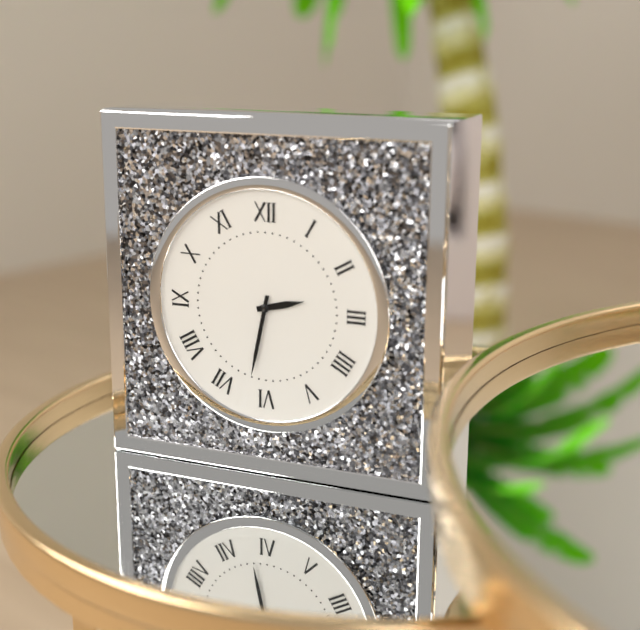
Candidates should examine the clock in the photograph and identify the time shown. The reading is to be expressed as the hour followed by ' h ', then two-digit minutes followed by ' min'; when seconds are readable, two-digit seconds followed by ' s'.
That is 2 h 32 min
